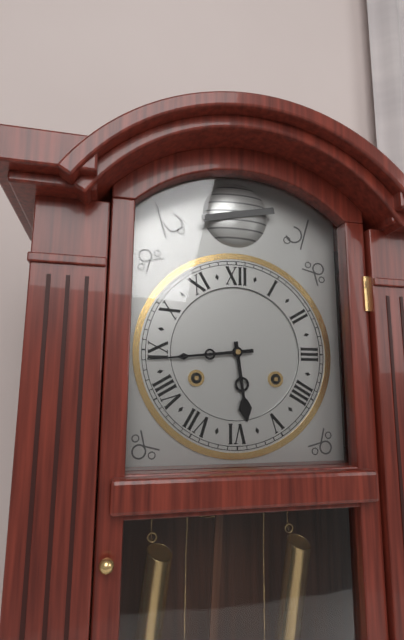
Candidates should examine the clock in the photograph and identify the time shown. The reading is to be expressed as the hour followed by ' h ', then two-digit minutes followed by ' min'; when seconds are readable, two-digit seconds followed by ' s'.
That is 5 h 44 min
